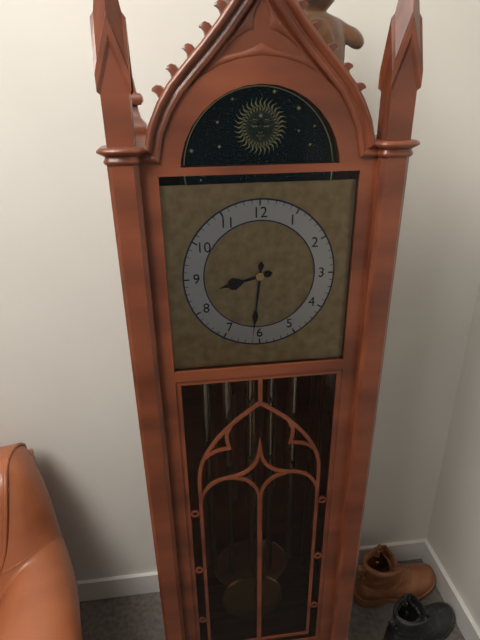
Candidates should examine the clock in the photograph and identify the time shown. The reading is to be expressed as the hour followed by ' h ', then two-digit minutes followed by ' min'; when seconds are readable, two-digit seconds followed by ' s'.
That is 8 h 31 min
